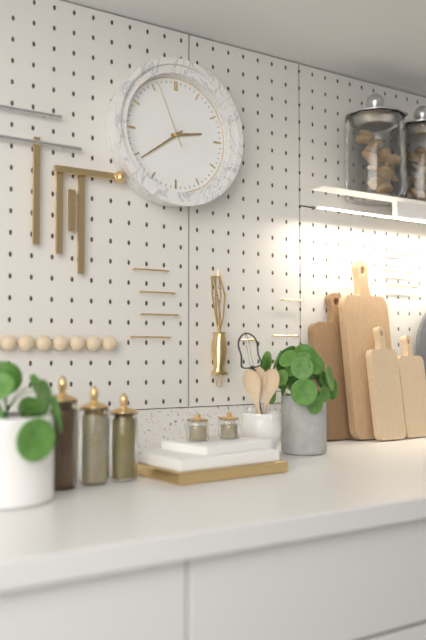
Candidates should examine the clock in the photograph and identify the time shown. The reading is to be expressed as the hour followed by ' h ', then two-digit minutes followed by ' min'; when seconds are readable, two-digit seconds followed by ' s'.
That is 2 h 39 min 56 s
